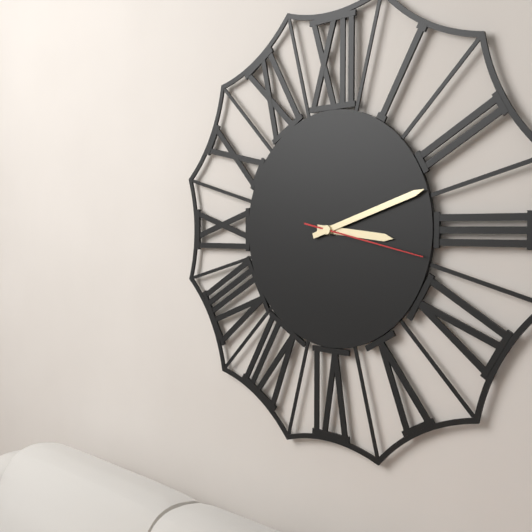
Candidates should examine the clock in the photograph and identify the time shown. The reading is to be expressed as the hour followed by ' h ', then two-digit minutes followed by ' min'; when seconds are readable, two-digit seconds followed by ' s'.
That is 3 h 12 min 17 s
